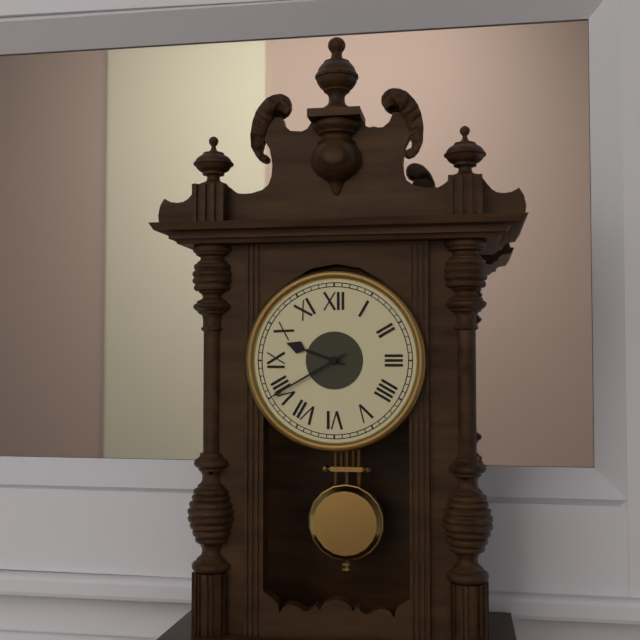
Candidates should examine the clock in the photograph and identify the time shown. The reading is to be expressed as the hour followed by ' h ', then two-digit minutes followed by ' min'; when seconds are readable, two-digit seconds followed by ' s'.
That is 9 h 40 min
